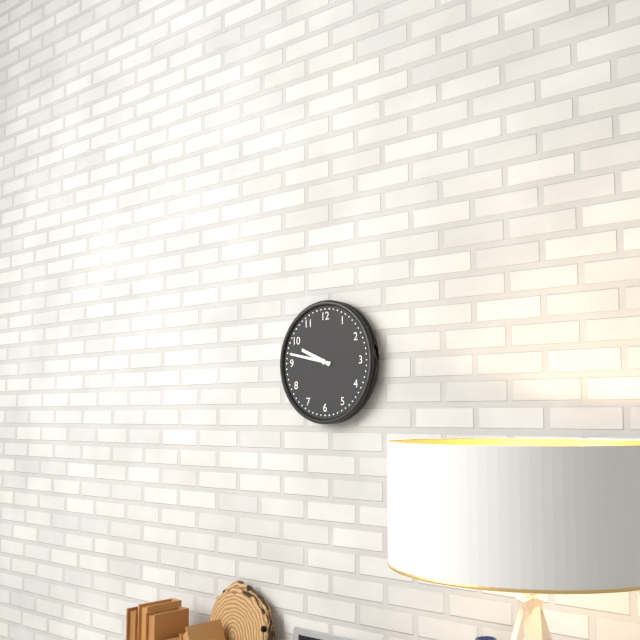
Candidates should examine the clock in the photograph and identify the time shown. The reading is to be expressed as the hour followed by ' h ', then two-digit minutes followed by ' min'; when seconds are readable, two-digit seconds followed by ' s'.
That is 9 h 47 min
